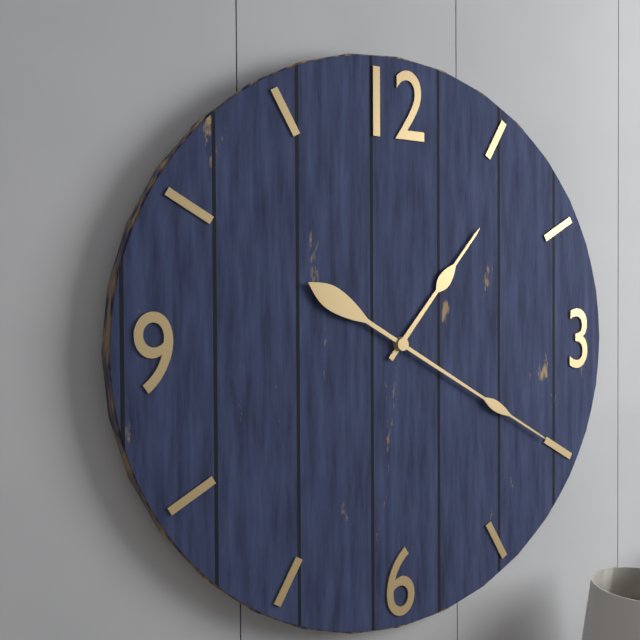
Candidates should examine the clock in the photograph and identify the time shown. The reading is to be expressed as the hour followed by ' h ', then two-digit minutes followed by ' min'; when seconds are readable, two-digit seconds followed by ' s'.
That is 1 h 20 min
